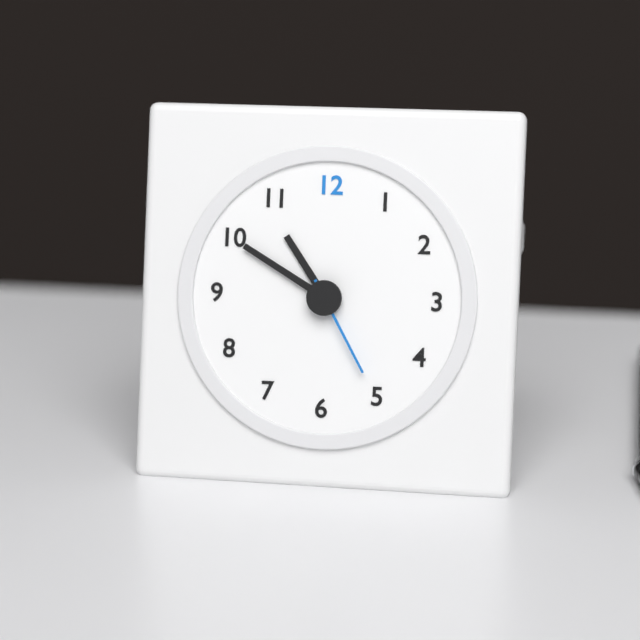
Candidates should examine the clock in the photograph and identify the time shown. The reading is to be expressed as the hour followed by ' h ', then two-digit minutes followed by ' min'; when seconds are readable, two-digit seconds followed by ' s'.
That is 10 h 50 min 25 s
